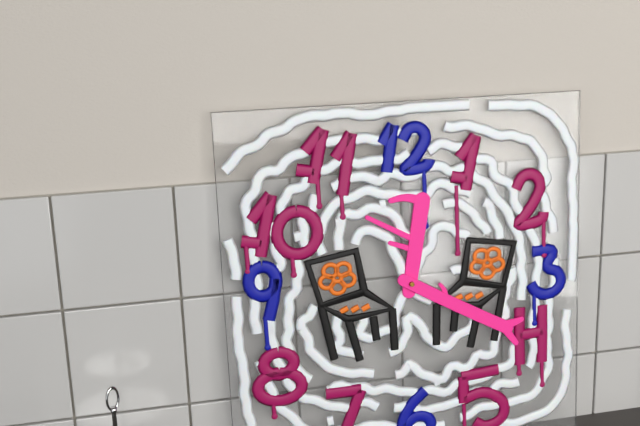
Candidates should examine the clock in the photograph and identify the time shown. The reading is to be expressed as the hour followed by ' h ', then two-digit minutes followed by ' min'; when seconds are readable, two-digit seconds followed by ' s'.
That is 12 h 20 min
